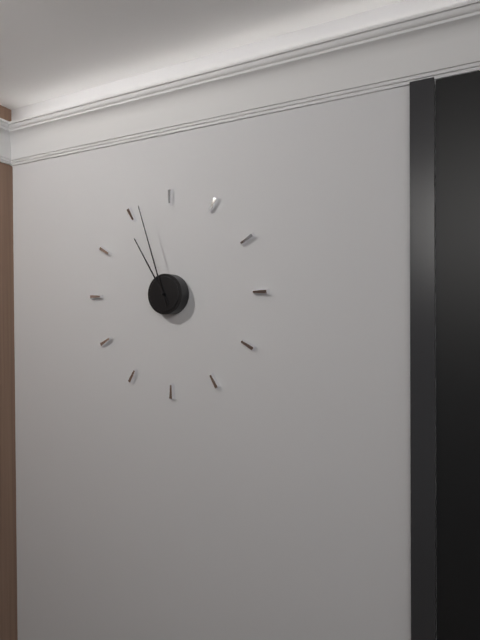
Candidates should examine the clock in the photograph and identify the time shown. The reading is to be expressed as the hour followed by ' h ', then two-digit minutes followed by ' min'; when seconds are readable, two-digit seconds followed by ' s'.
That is 10 h 57 min
